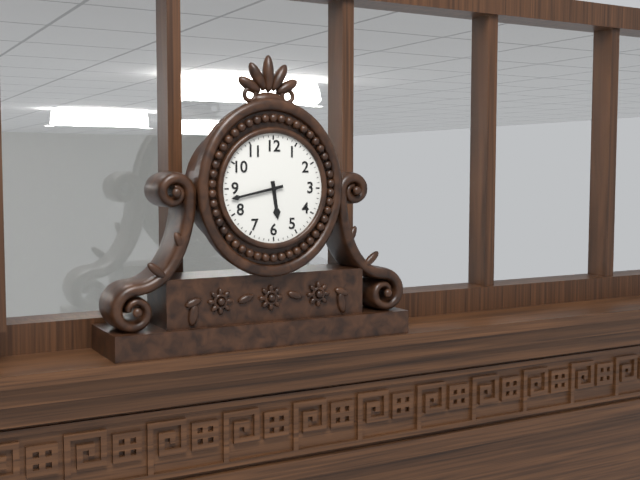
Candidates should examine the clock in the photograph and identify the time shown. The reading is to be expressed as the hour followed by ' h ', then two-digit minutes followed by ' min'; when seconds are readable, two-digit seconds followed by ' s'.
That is 5 h 43 min
